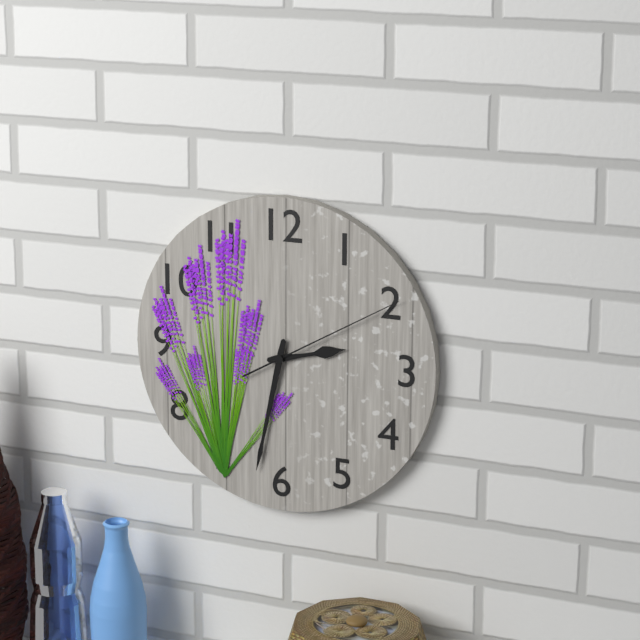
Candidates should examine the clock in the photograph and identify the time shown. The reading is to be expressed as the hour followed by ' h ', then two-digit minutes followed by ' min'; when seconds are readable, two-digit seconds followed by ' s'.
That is 2 h 32 min 10 s
